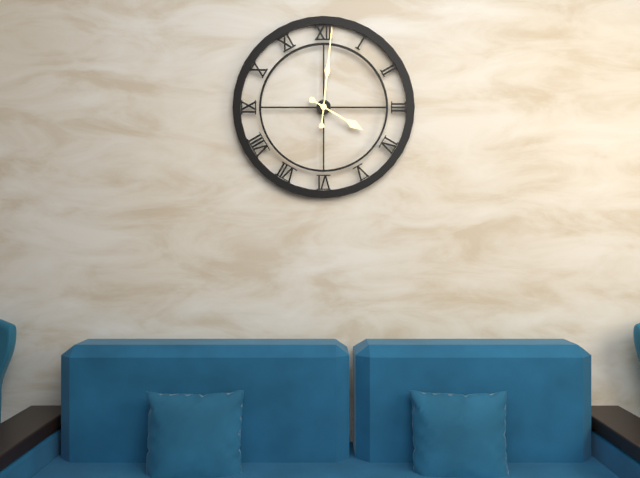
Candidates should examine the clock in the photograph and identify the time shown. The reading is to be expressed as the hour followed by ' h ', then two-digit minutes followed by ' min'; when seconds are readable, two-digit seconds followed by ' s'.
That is 4 h 01 min
